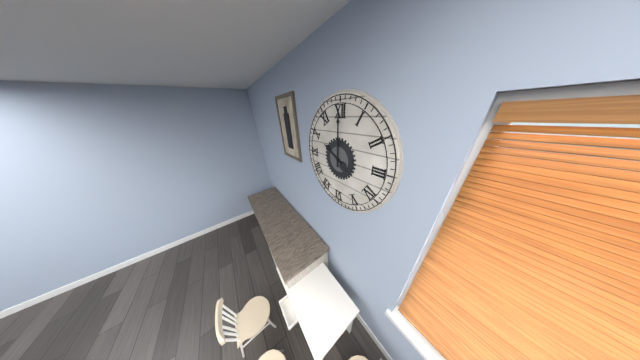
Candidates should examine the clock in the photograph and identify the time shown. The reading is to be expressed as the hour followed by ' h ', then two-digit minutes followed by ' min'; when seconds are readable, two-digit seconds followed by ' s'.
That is 10 h 00 min
